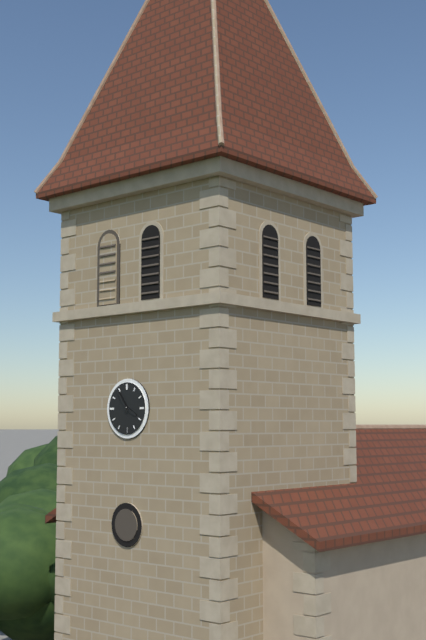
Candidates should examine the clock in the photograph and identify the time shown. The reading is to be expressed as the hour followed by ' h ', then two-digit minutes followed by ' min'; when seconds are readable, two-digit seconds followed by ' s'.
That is 3 h 54 min
